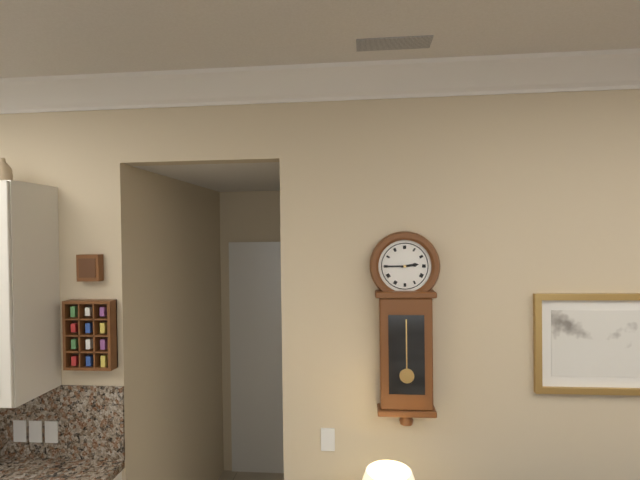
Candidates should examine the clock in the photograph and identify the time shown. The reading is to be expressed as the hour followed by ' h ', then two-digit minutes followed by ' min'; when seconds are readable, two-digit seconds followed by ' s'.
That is 2 h 45 min
